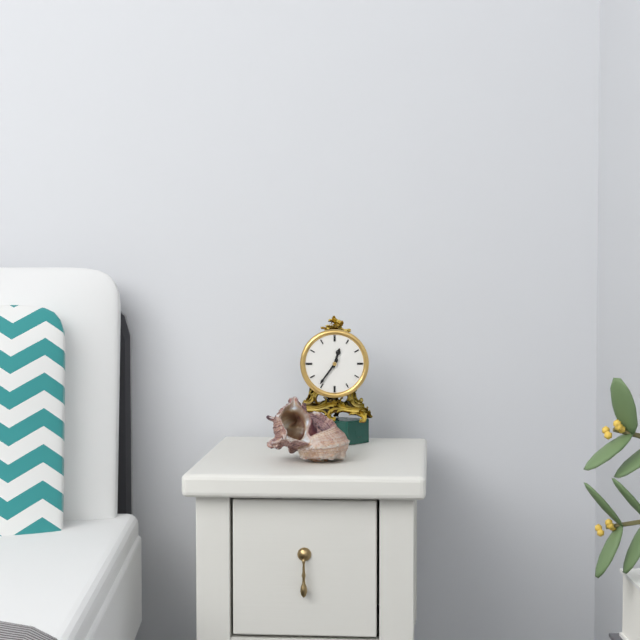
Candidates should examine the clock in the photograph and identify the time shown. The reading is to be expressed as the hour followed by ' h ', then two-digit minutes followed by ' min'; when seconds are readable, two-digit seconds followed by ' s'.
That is 12 h 36 min
